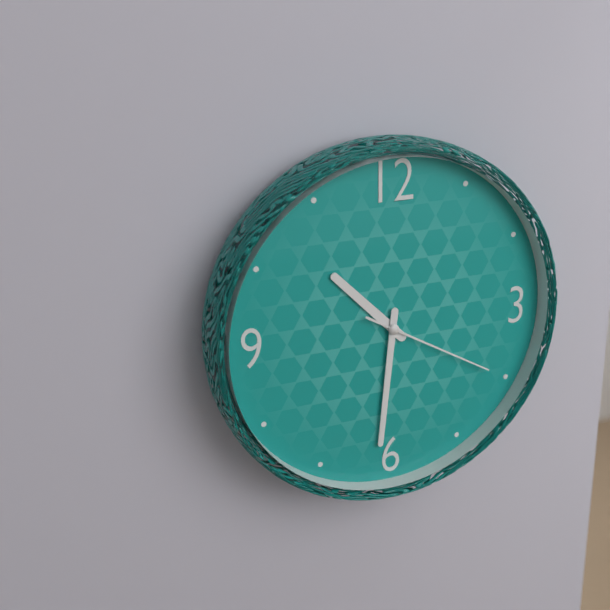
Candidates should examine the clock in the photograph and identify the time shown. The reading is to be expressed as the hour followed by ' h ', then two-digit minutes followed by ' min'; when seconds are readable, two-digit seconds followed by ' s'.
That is 10 h 31 min 20 s
